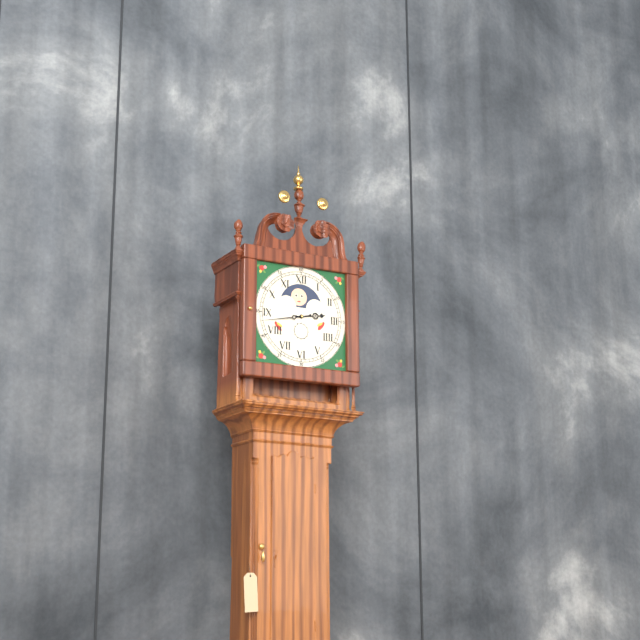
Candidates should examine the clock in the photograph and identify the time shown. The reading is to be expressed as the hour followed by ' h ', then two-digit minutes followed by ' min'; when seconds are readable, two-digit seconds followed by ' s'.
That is 2 h 43 min
